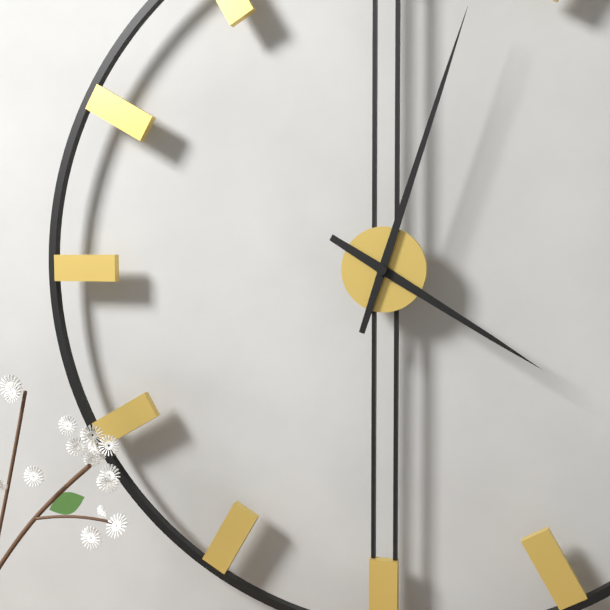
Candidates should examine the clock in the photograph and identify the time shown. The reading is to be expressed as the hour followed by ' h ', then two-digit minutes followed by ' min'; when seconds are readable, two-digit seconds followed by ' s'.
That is 4 h 03 min
